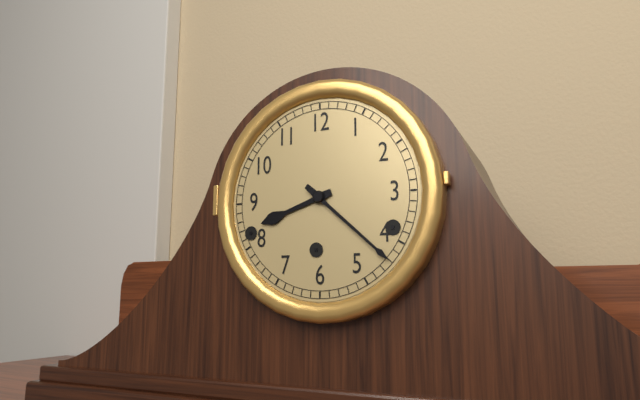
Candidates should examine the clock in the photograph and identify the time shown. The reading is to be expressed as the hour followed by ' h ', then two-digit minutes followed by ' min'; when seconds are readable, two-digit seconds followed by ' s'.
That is 8 h 22 min
